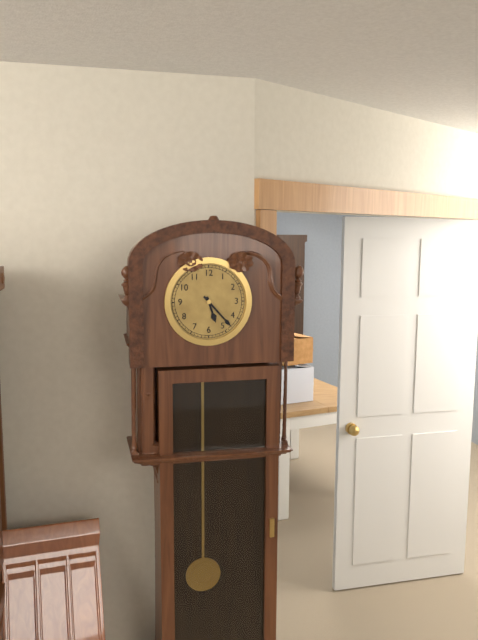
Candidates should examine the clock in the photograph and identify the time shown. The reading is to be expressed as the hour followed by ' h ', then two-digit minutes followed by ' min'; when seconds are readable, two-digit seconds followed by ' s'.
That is 5 h 23 min
